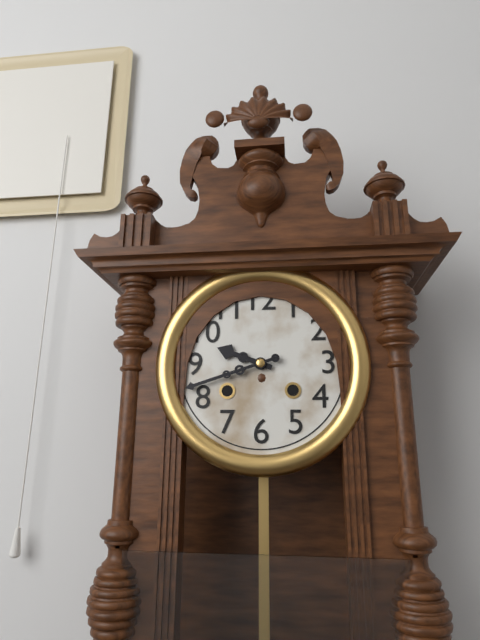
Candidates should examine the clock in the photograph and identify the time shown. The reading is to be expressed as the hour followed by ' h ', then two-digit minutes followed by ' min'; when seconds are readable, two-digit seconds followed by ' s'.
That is 9 h 42 min
